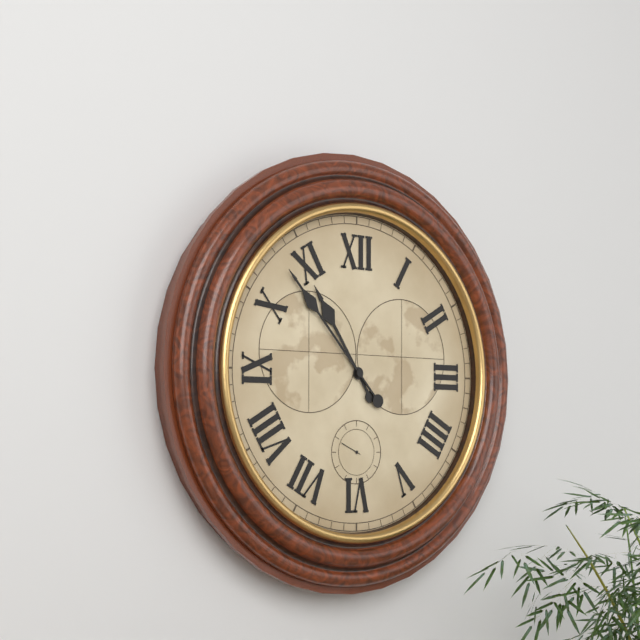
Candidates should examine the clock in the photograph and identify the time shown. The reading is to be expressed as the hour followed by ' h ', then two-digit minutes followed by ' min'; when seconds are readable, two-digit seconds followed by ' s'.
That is 10 h 53 min
